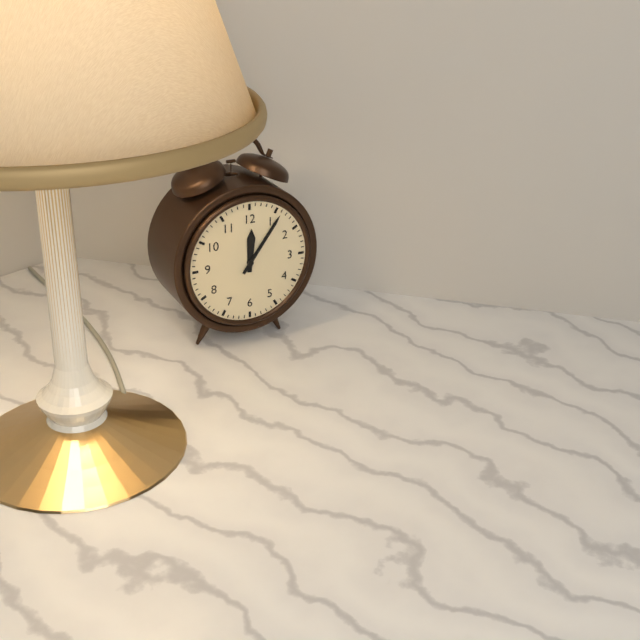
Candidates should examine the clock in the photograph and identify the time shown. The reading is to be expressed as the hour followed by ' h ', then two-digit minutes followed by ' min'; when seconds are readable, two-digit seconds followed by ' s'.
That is 12 h 06 min
